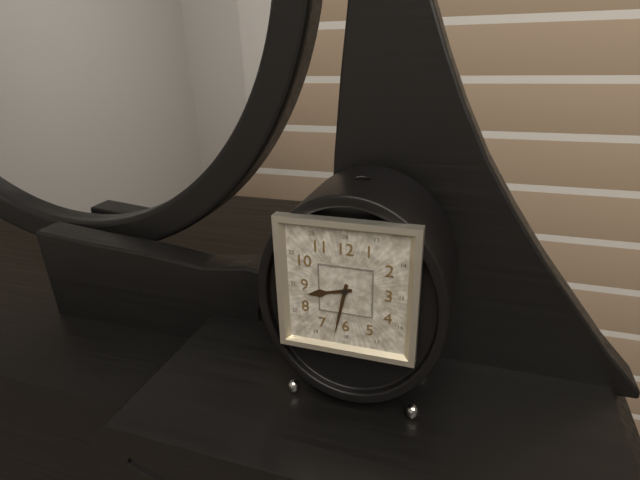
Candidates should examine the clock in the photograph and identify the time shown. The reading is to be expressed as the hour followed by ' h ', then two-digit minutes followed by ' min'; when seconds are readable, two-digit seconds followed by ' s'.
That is 8 h 32 min
